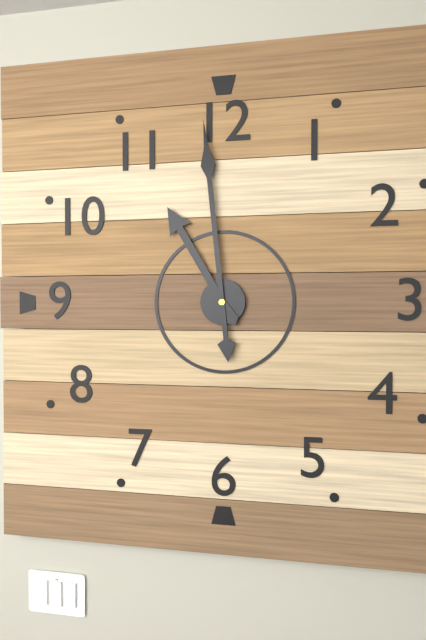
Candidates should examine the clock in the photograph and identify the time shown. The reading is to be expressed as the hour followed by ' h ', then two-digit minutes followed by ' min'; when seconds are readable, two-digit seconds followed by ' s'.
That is 10 h 59 min
